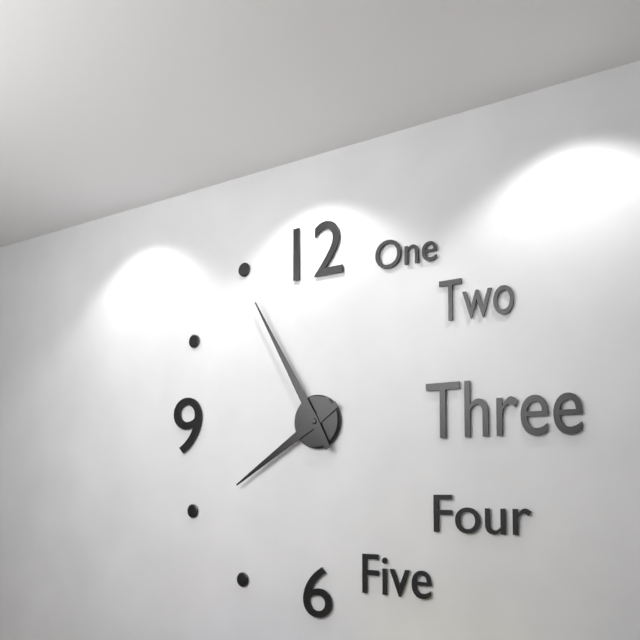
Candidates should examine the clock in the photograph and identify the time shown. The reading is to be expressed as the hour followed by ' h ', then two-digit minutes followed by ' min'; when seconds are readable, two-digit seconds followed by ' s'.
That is 7 h 55 min
